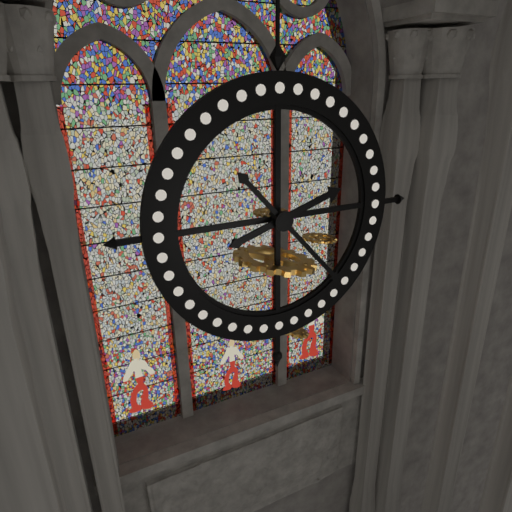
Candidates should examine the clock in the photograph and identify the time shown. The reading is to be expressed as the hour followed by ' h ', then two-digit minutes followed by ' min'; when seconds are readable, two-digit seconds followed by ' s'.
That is 2 h 23 min
